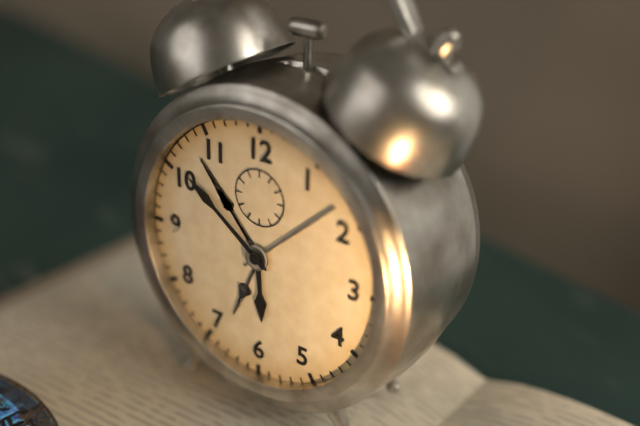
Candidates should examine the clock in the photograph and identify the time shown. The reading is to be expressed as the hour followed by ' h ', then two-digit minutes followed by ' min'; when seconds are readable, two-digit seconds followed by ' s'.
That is 5 h 51 min
